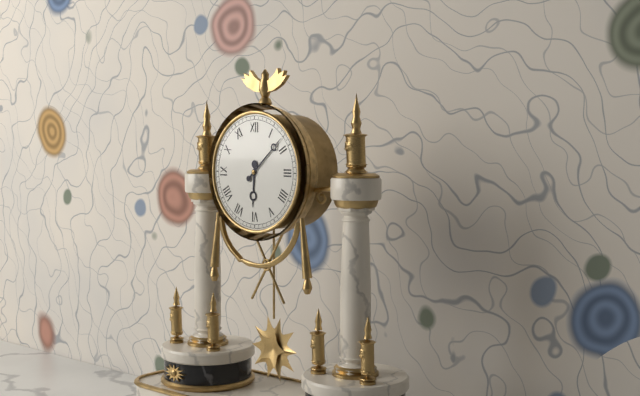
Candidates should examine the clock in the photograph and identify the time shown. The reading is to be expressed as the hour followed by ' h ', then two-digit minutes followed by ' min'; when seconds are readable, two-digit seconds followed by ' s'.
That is 6 h 08 min
